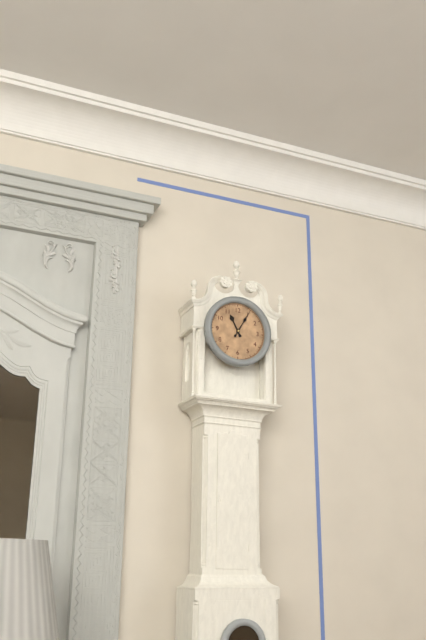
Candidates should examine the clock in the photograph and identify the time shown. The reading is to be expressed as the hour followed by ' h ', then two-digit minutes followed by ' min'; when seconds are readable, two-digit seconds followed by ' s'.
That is 11 h 05 min
